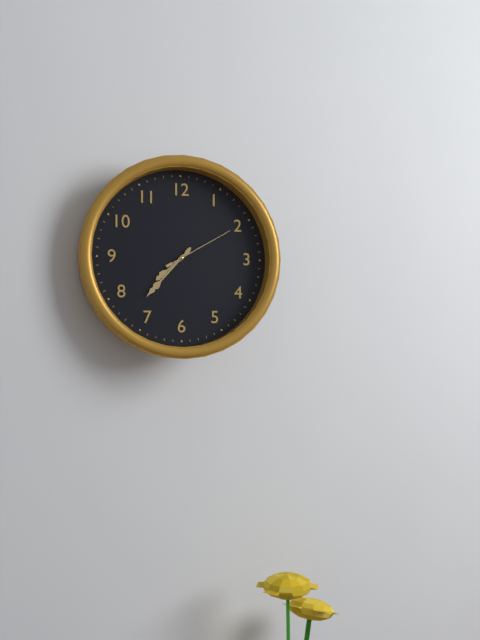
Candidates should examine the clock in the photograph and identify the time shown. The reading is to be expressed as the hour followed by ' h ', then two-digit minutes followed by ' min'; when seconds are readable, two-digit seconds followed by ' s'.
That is 7 h 37 min 10 s
